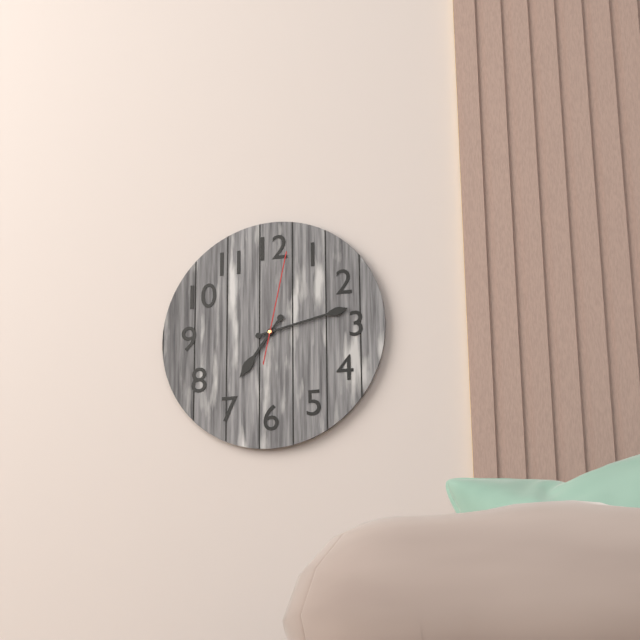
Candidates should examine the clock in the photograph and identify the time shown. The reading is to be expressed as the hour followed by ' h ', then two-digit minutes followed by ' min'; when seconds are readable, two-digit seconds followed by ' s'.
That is 7 h 13 min 02 s
